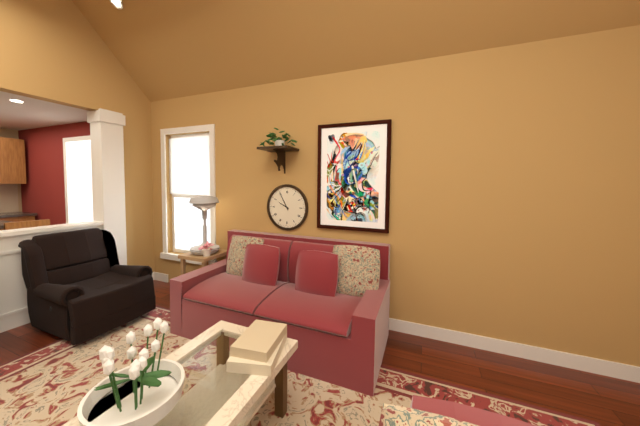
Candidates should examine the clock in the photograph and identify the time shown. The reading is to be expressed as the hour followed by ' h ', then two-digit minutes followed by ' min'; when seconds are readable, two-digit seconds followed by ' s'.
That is 9 h 55 min
